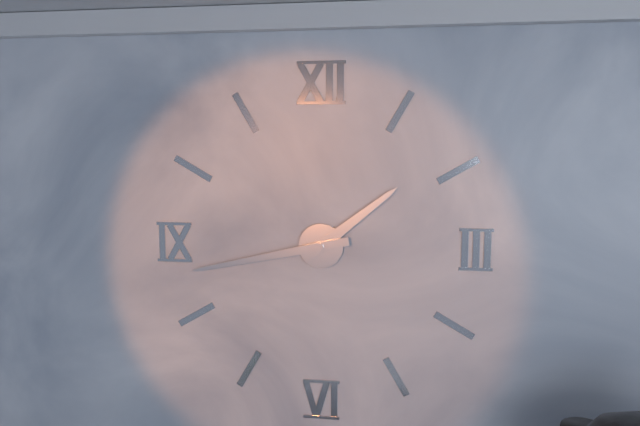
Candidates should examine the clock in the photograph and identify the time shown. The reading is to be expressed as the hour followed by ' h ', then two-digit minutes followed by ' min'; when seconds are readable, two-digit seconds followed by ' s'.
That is 1 h 43 min
